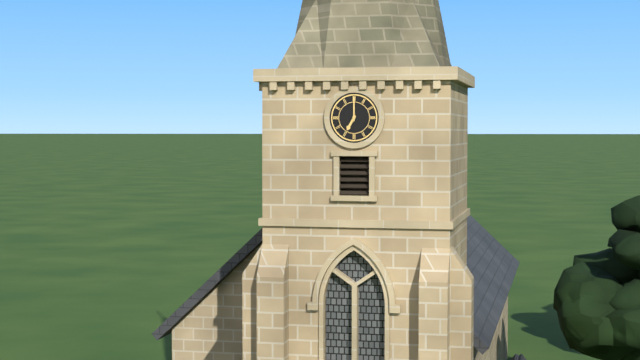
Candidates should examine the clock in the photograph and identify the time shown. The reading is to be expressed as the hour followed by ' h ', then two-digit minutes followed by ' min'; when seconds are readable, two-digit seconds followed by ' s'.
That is 7 h 00 min
